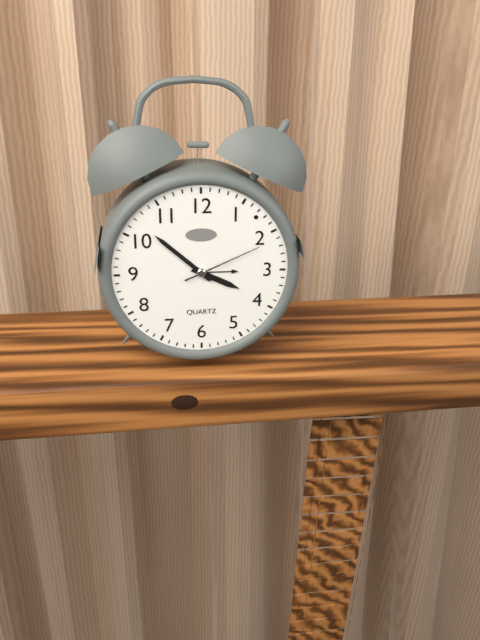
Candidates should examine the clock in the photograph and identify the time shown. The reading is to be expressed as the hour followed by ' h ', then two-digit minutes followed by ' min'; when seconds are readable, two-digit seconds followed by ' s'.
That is 3 h 52 min 11 s
